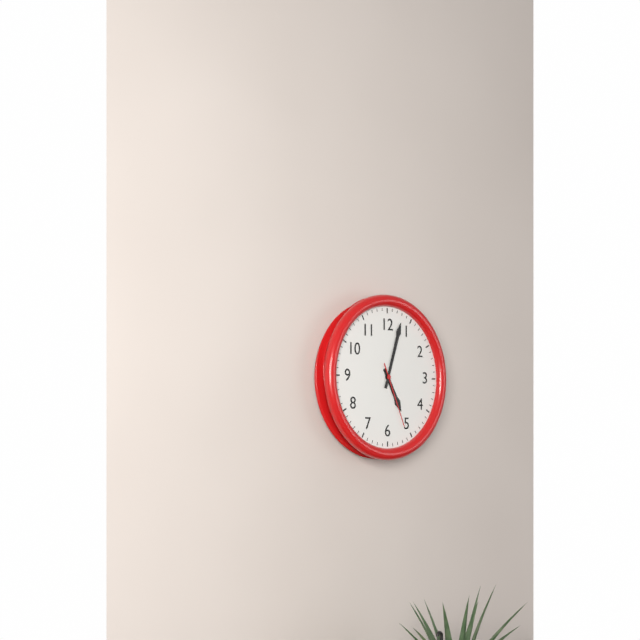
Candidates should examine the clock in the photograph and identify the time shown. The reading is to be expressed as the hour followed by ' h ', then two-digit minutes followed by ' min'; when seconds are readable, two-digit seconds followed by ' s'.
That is 5 h 03 min 26 s
